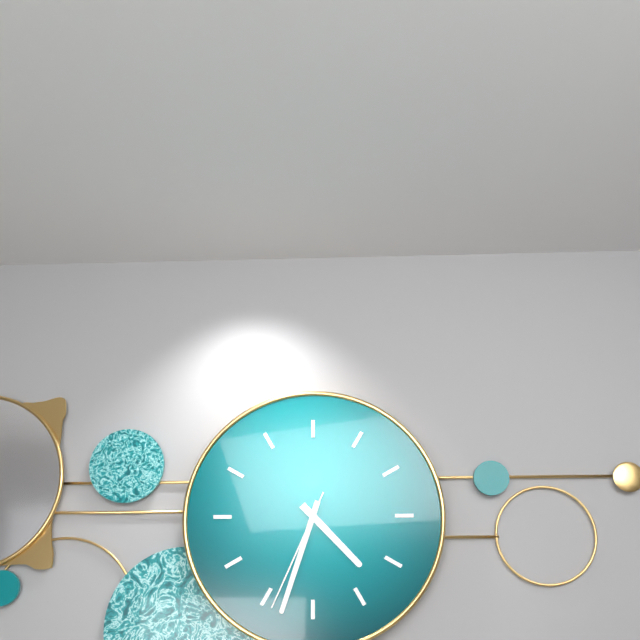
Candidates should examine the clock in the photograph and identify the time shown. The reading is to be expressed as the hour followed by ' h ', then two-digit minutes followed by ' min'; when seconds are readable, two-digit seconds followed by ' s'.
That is 4 h 33 min 34 s
